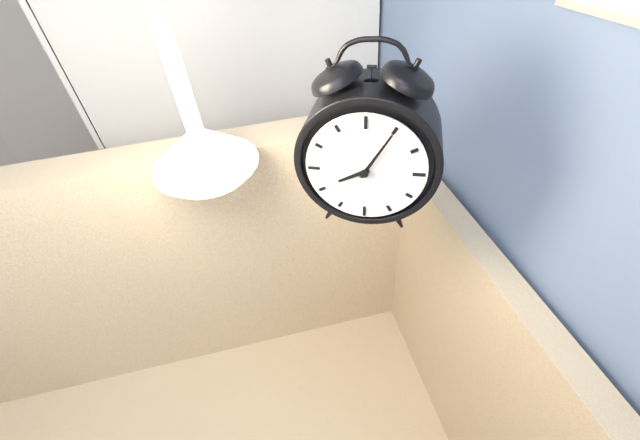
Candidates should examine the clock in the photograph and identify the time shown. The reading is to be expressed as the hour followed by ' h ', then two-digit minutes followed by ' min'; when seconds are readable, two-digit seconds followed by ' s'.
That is 8 h 05 min
